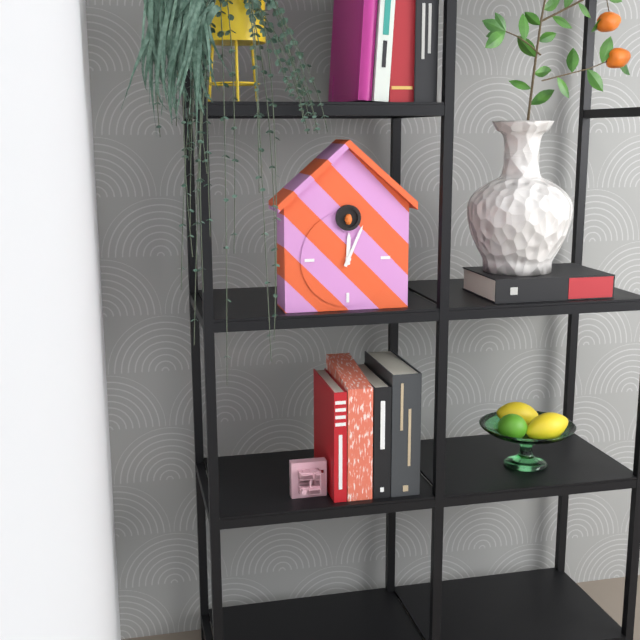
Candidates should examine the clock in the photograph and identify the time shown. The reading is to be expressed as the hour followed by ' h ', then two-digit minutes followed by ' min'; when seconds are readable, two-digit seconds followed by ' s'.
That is 12 h 04 min
